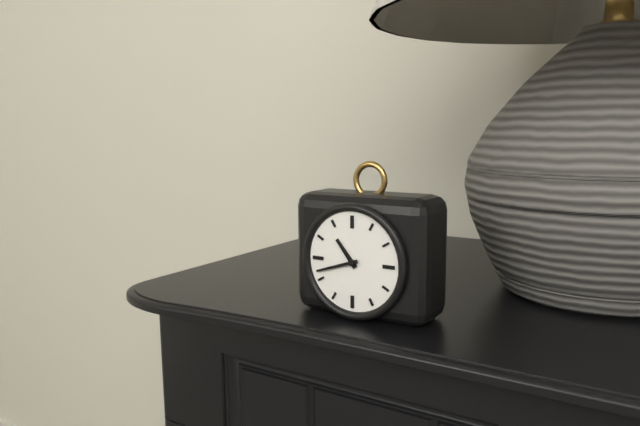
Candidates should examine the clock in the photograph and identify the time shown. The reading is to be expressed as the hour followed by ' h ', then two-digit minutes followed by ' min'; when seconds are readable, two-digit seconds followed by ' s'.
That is 10 h 42 min
